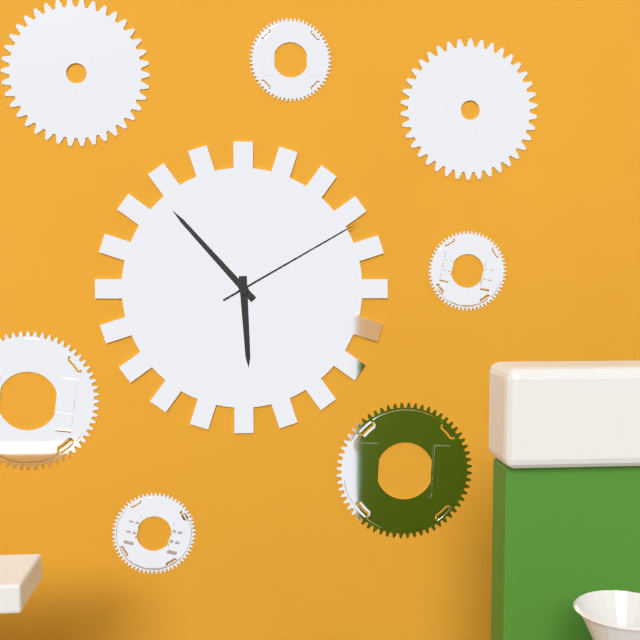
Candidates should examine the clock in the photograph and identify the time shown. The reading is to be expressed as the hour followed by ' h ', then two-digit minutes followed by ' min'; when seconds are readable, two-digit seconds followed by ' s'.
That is 5 h 53 min 10 s
